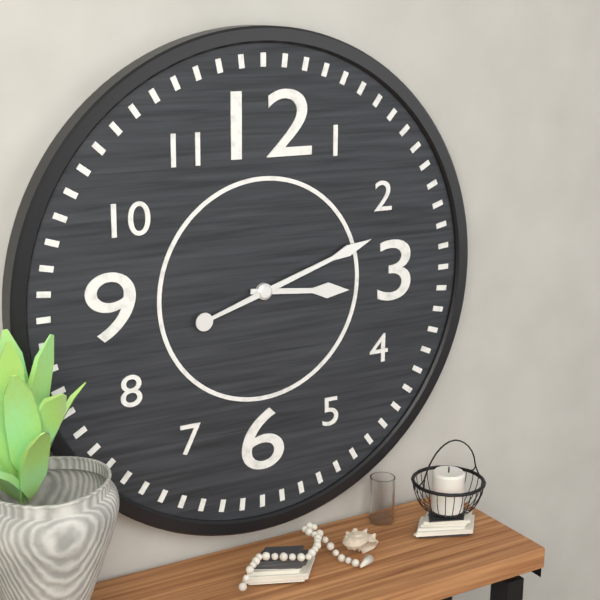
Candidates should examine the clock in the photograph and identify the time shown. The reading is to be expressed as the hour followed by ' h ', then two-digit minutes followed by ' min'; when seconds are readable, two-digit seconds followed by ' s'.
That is 3 h 12 min
